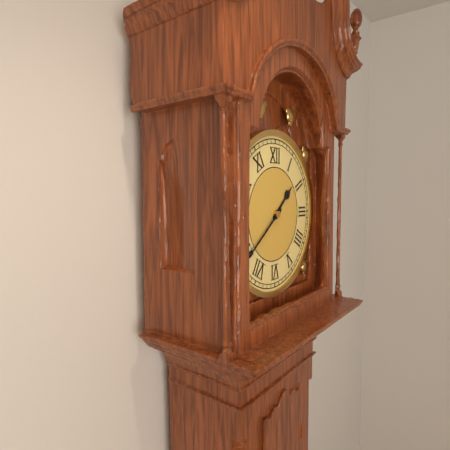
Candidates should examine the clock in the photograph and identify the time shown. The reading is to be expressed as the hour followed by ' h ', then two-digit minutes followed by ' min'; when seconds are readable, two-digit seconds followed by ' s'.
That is 1 h 39 min
